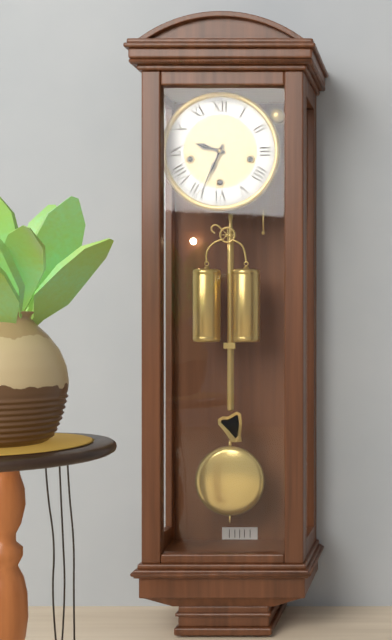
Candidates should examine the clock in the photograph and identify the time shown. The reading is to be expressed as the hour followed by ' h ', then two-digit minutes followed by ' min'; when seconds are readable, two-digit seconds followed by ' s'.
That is 9 h 34 min
